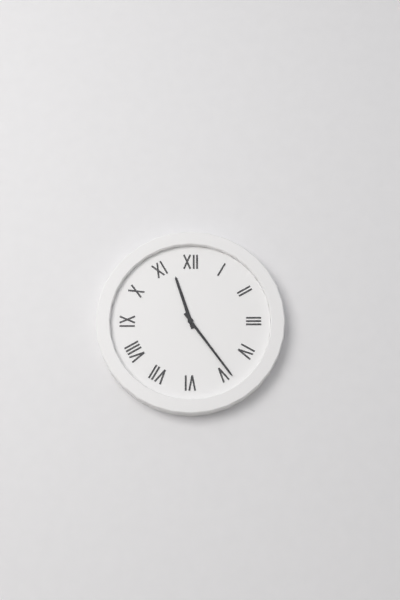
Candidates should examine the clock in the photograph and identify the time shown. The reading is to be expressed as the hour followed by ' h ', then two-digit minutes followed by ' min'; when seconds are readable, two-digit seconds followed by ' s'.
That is 11 h 24 min
